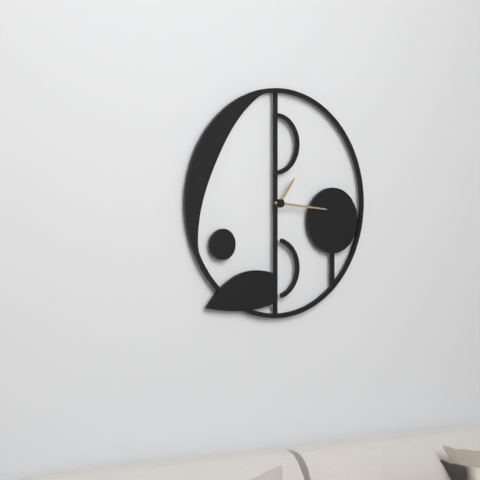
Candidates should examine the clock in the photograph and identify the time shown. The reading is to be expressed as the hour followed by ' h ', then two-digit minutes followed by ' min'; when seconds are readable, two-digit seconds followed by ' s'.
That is 1 h 16 min
